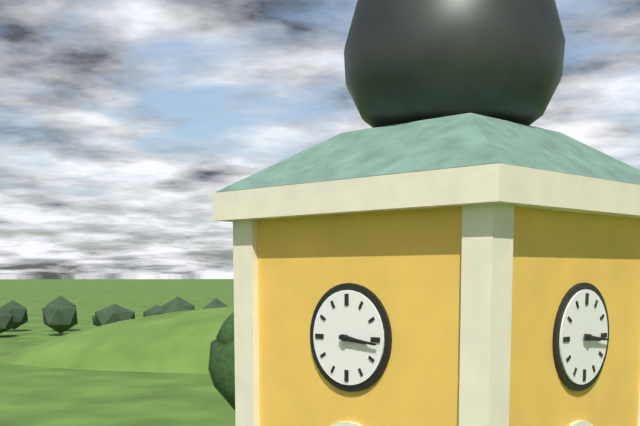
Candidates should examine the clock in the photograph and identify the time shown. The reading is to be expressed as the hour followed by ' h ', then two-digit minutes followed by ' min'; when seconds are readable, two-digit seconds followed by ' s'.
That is 3 h 16 min
